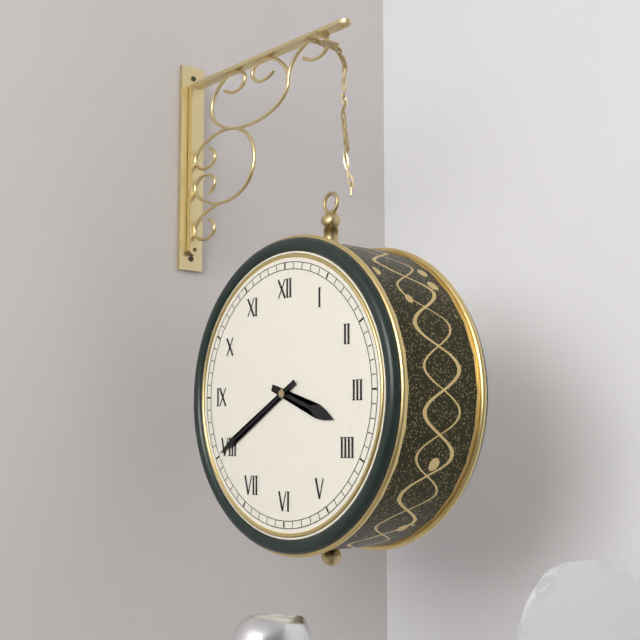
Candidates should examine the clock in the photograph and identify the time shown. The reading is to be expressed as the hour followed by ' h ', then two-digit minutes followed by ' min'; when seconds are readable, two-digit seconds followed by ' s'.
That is 3 h 40 min
